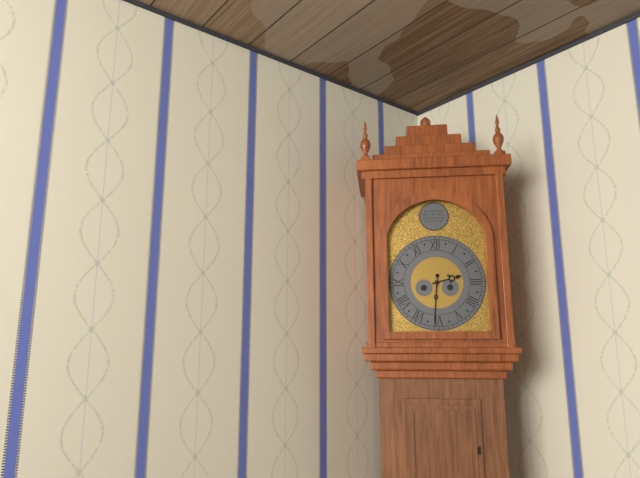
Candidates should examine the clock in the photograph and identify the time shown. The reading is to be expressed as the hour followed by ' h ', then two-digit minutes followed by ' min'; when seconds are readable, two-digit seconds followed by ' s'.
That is 2 h 31 min
